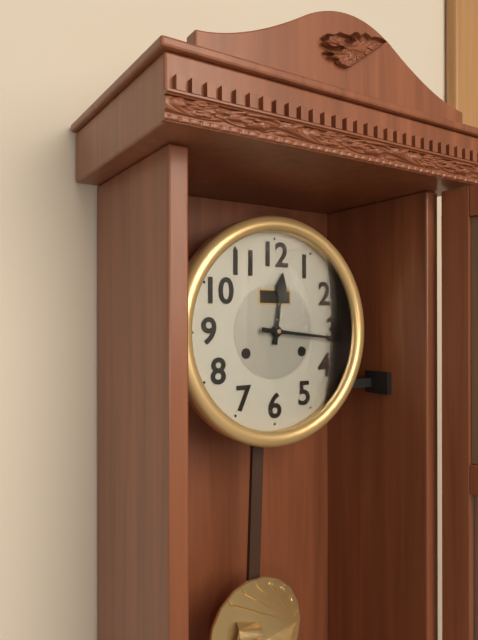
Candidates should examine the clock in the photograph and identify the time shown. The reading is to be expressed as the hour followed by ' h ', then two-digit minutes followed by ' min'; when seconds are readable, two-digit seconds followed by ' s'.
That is 12 h 16 min
